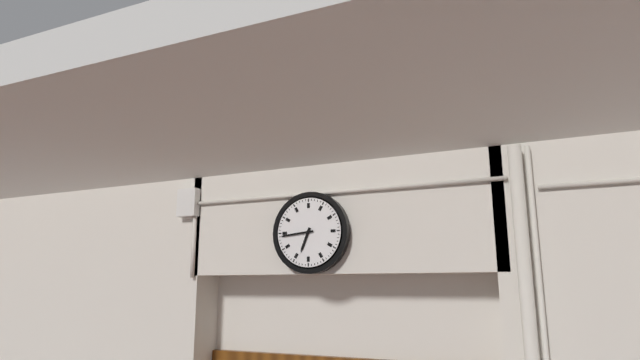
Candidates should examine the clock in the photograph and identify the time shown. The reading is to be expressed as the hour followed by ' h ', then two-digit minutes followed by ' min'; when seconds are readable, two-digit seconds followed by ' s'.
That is 6 h 44 min
